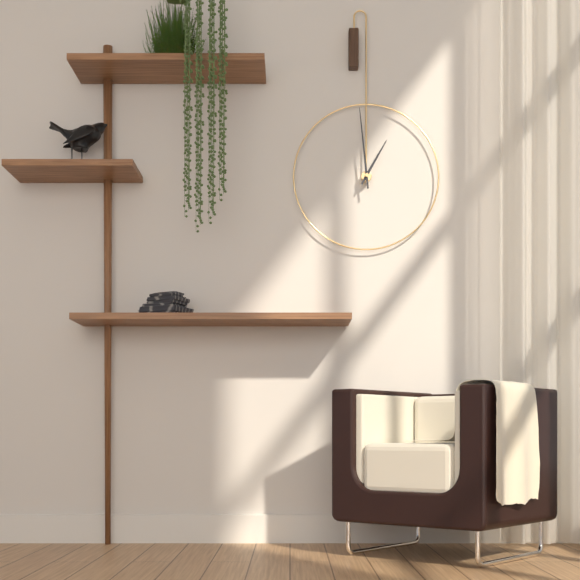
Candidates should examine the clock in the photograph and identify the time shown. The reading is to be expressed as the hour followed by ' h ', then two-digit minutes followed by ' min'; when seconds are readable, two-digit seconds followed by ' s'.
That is 12 h 59 min
